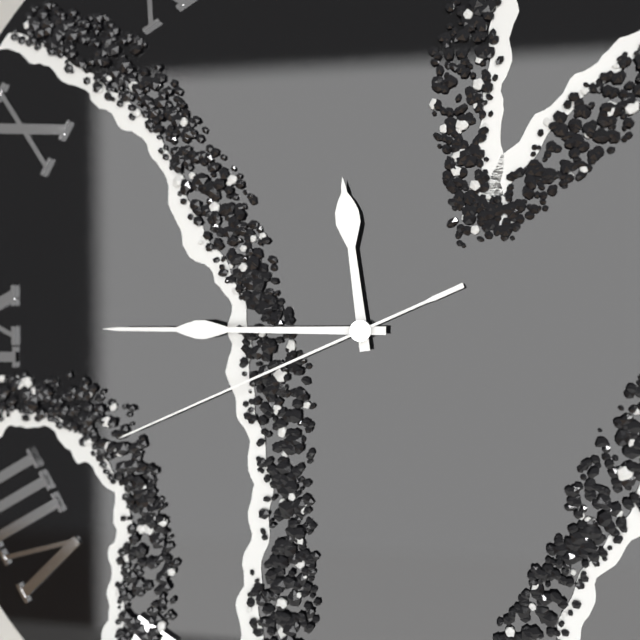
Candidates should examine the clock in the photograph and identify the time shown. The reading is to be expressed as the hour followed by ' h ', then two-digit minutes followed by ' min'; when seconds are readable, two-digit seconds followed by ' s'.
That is 11 h 45 min 41 s
